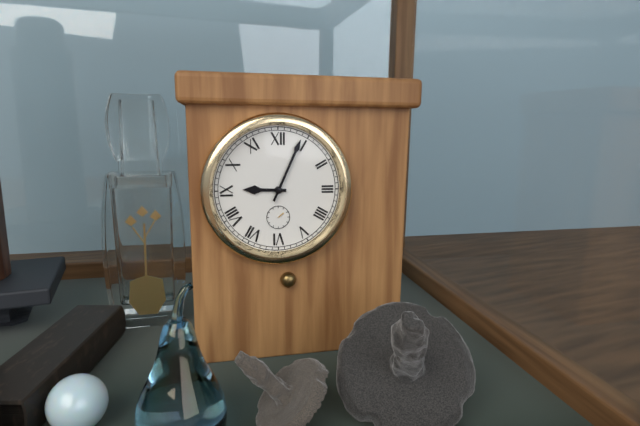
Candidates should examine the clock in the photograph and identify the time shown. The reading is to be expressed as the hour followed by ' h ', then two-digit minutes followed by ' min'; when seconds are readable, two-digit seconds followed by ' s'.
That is 9 h 04 min
